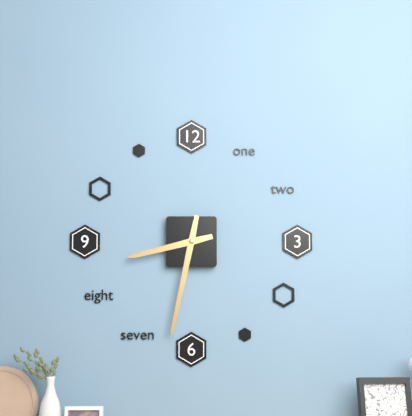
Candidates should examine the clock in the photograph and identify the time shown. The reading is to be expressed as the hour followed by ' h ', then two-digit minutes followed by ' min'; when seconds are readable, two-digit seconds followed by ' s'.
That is 8 h 32 min
